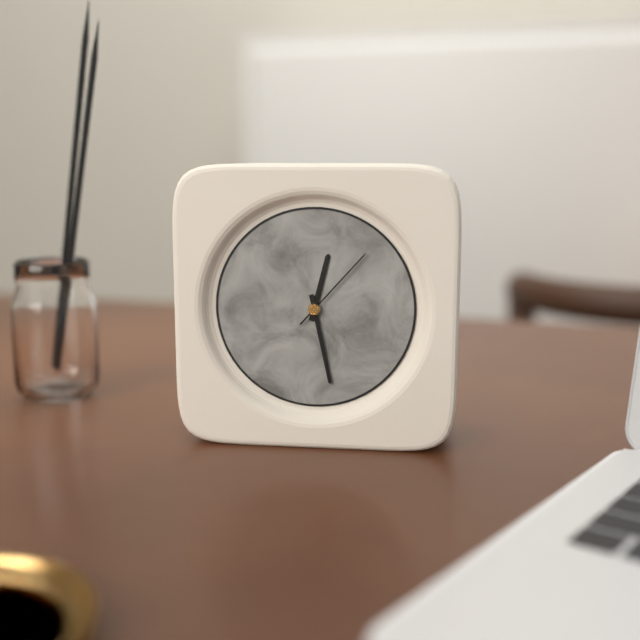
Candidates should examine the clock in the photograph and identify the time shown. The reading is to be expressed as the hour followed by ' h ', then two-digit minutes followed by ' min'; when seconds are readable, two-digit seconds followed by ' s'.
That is 12 h 28 min 07 s
